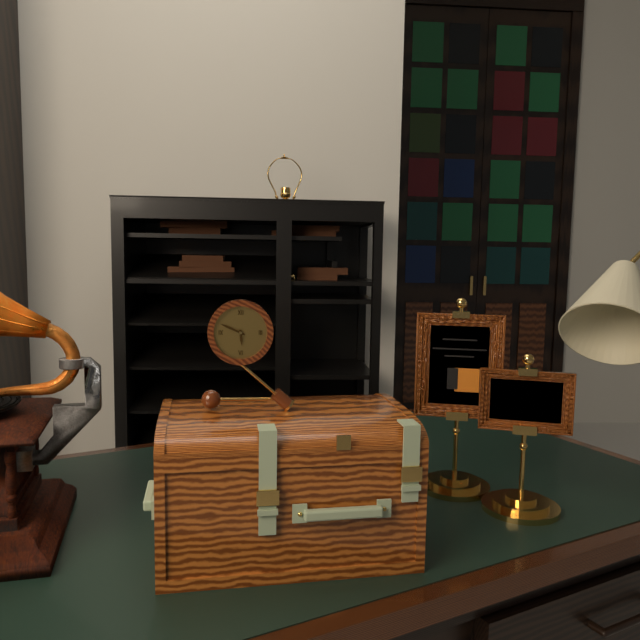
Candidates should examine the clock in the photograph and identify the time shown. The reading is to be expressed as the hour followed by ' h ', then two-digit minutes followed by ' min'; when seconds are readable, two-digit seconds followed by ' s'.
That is 5 h 49 min
